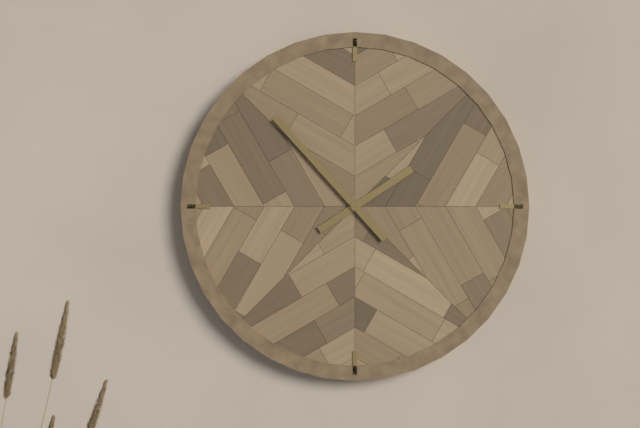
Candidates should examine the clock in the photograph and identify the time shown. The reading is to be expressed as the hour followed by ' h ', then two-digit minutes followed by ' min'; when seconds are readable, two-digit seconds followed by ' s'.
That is 1 h 53 min
